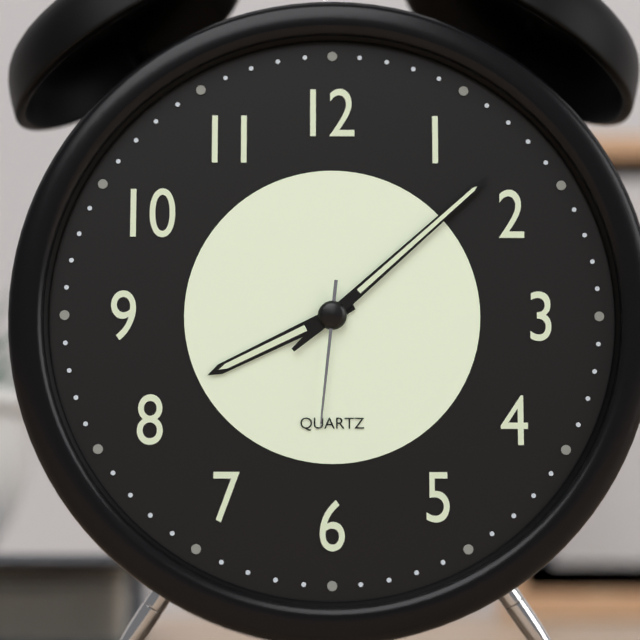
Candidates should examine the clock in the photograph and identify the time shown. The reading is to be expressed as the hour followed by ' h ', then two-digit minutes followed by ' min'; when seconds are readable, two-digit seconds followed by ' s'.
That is 8 h 08 min 31 s
